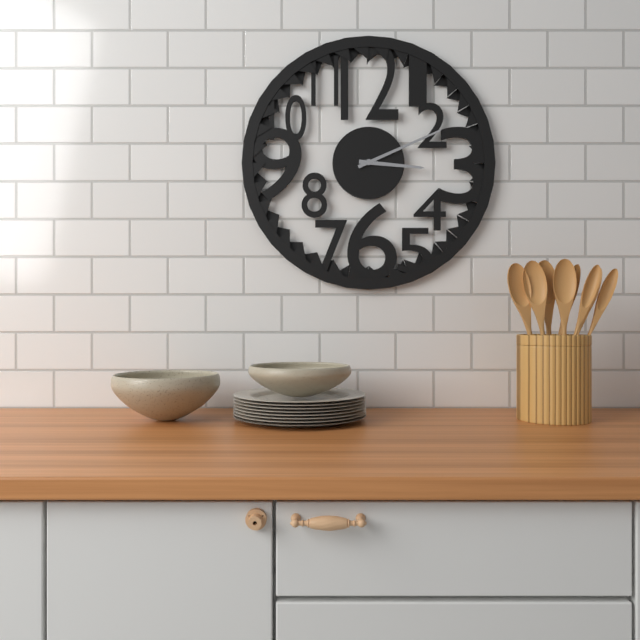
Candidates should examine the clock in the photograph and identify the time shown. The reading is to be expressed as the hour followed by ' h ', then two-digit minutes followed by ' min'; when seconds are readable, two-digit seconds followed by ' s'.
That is 3 h 11 min
